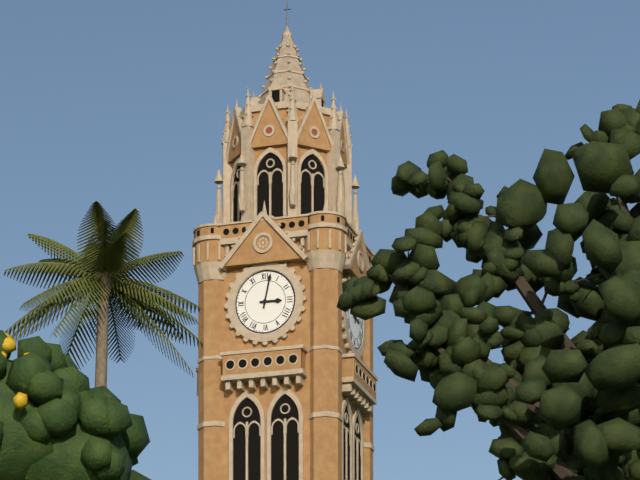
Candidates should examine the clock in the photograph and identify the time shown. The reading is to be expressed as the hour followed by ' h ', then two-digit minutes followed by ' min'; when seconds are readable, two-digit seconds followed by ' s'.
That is 3 h 02 min
